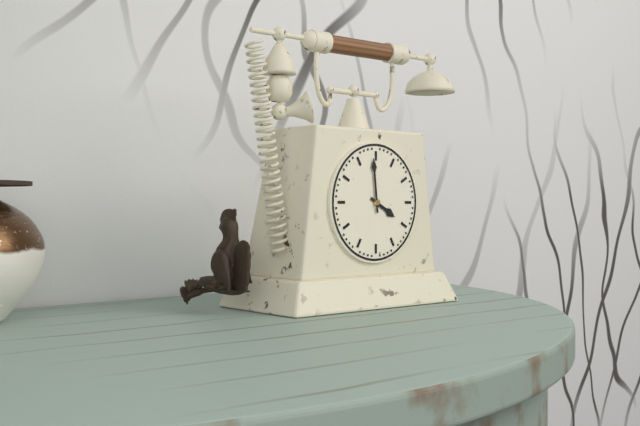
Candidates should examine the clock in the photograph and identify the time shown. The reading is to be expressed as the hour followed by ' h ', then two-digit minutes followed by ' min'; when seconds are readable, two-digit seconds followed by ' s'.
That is 3 h 59 min
